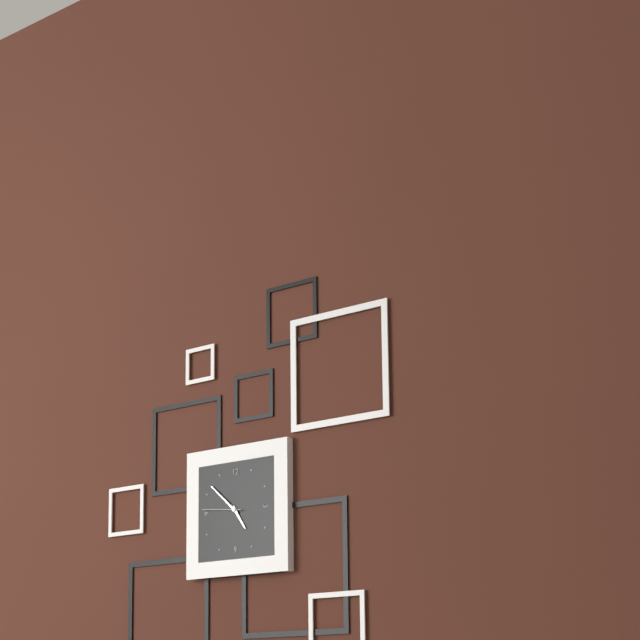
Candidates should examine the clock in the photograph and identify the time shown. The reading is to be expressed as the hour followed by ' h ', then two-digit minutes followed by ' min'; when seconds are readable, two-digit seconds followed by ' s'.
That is 4 h 52 min
